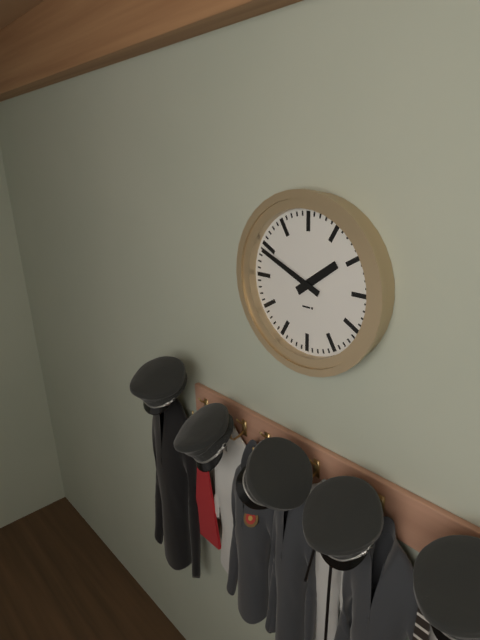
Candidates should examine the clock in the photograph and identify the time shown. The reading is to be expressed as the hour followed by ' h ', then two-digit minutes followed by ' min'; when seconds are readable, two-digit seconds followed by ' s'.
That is 1 h 49 min
